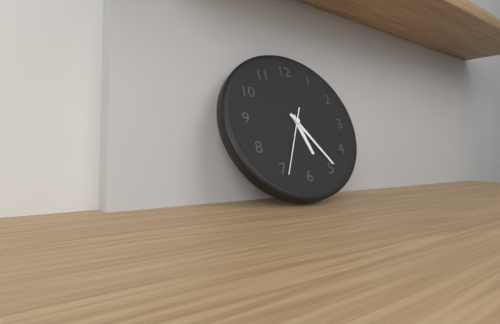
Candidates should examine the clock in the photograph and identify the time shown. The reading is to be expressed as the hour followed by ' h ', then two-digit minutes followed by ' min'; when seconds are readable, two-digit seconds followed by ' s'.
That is 5 h 24 min 34 s
